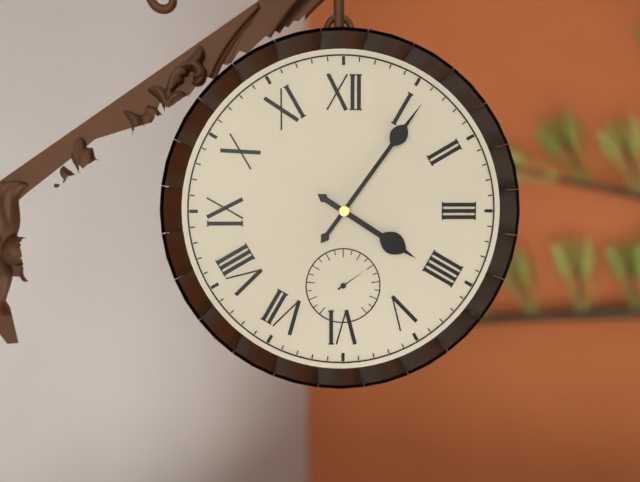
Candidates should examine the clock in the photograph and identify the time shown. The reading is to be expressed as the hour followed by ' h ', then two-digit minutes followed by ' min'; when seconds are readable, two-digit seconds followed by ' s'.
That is 4 h 06 min
